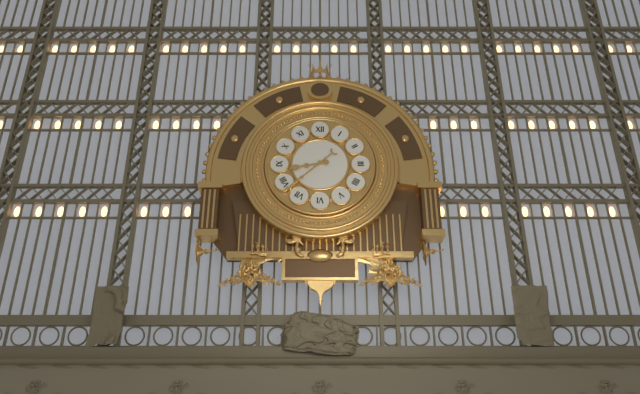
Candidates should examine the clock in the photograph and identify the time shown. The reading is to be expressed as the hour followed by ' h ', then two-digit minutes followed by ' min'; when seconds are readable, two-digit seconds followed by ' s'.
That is 8 h 38 min
